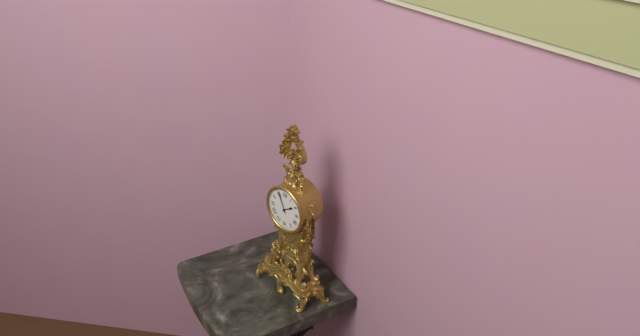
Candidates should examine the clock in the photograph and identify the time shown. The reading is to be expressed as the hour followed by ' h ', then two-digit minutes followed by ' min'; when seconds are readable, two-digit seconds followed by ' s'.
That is 1 h 56 min
